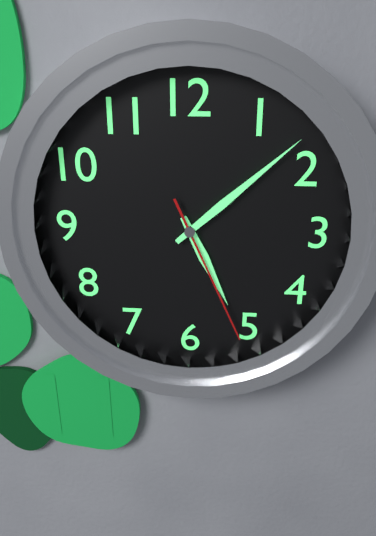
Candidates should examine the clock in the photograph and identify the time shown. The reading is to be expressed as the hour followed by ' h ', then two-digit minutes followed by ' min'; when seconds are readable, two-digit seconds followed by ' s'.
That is 5 h 08 min 26 s
